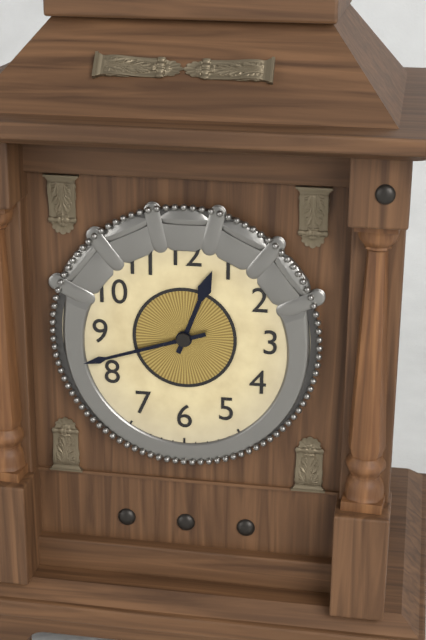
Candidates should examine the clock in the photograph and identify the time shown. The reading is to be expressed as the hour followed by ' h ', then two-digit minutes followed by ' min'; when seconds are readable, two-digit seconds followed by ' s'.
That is 12 h 42 min
